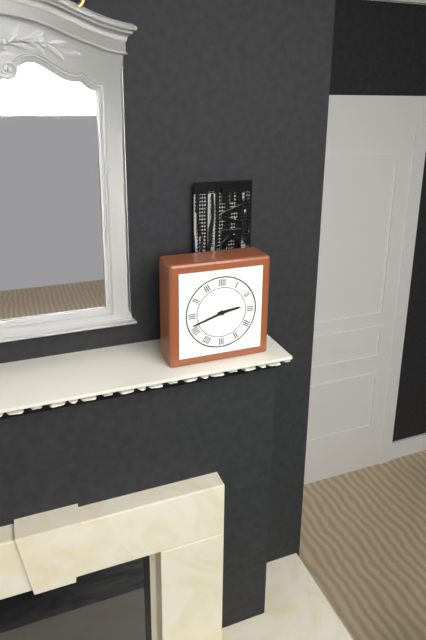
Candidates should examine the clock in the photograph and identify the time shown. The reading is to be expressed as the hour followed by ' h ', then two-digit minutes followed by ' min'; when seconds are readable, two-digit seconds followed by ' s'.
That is 2 h 42 min
